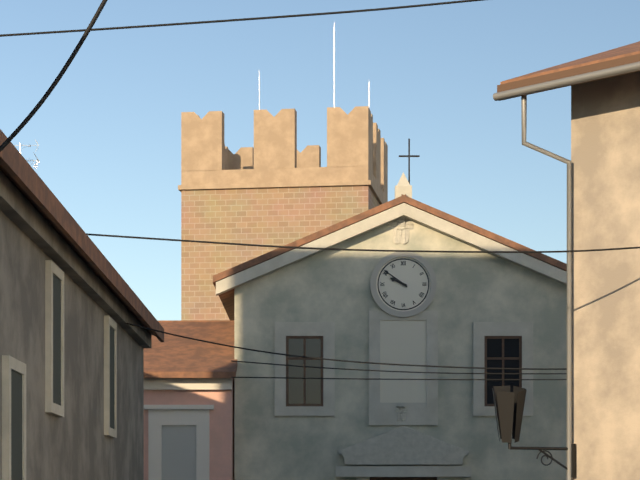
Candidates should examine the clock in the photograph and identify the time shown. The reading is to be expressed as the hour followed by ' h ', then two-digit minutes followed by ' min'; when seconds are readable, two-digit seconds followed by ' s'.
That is 9 h 51 min
